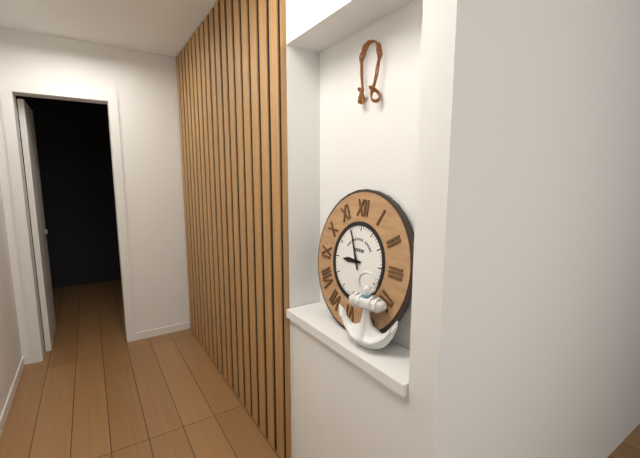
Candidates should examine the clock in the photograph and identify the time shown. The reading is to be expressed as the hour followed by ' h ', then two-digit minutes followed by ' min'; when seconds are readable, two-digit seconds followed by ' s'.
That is 8 h 56 min
